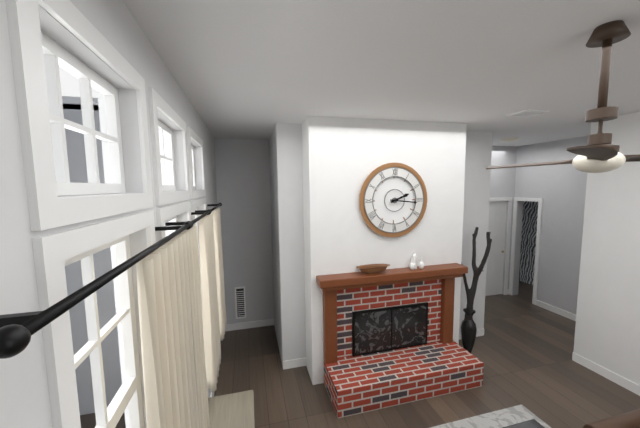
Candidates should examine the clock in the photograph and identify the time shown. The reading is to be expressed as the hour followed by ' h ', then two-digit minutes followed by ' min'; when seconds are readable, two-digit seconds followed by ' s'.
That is 2 h 16 min
